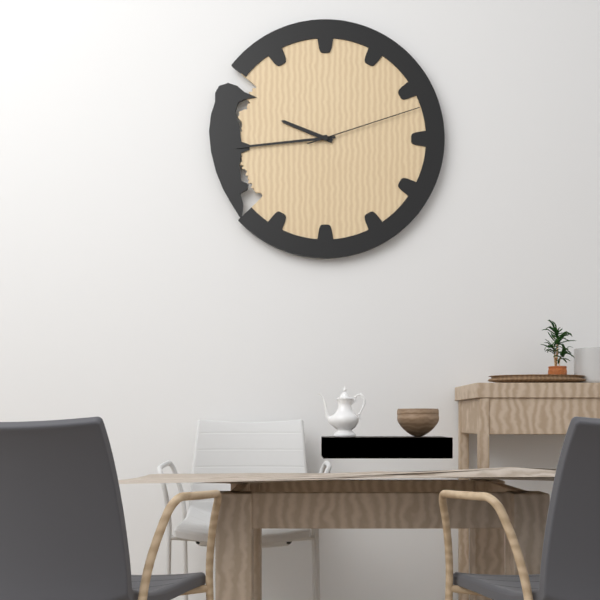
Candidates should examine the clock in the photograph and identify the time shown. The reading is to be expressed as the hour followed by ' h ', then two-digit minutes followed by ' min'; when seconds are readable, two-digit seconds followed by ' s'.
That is 9 h 44 min 12 s
